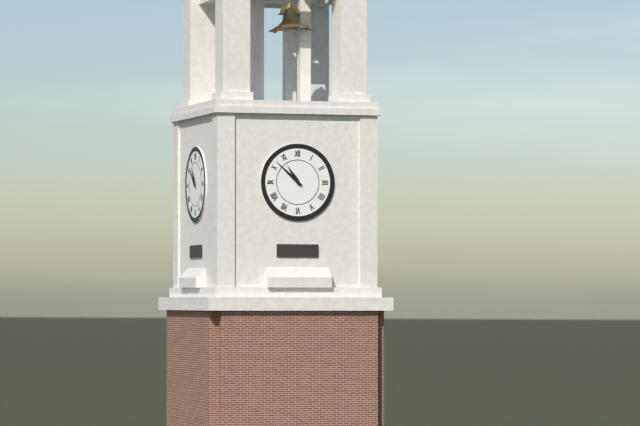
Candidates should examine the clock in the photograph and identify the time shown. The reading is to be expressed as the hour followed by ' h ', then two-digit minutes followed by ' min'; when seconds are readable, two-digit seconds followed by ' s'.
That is 10 h 52 min
